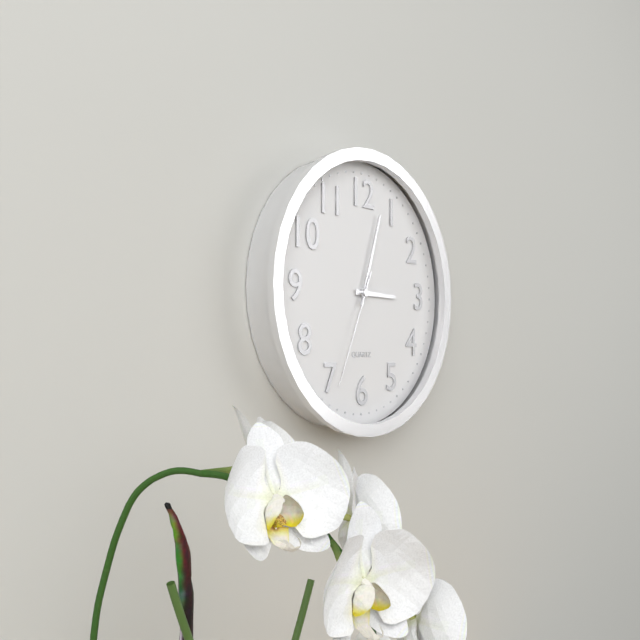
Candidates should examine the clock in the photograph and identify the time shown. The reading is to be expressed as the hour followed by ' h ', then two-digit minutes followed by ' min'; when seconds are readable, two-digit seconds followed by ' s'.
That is 3 h 03 min 34 s
